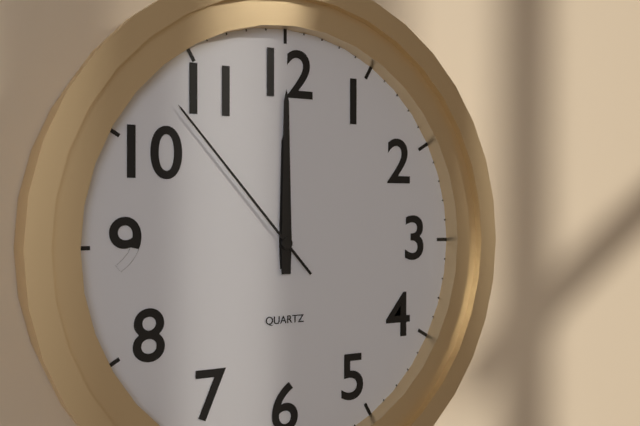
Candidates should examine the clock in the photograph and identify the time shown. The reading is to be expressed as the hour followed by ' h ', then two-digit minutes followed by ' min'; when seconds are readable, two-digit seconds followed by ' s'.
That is 12 h 00 min 53 s
